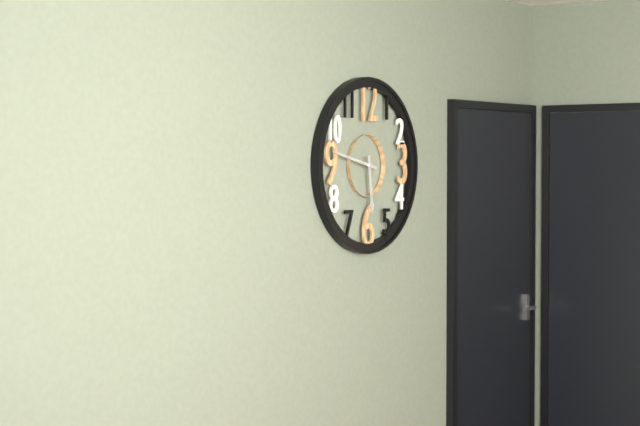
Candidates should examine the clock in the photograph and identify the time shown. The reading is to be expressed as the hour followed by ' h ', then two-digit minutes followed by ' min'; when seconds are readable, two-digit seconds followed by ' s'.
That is 5 h 47 min
